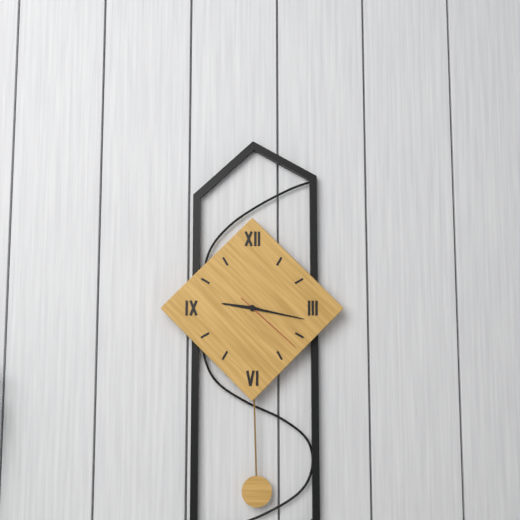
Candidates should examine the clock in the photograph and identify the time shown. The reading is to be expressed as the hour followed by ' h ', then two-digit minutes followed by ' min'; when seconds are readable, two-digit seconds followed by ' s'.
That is 9 h 17 min 22 s
